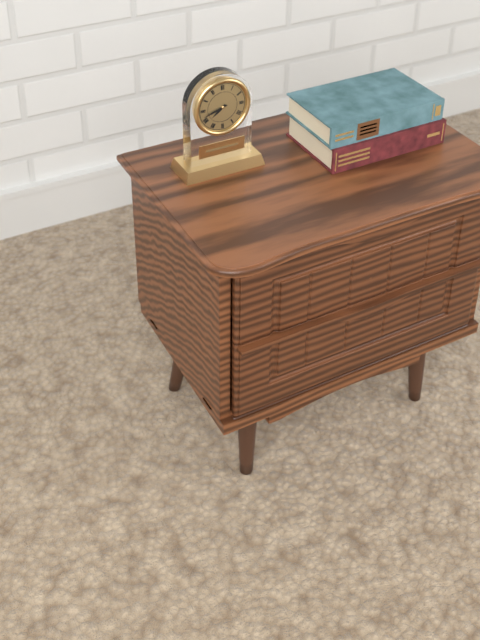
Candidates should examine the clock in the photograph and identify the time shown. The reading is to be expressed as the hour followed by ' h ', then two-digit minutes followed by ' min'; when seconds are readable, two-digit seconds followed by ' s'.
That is 7 h 42 min
